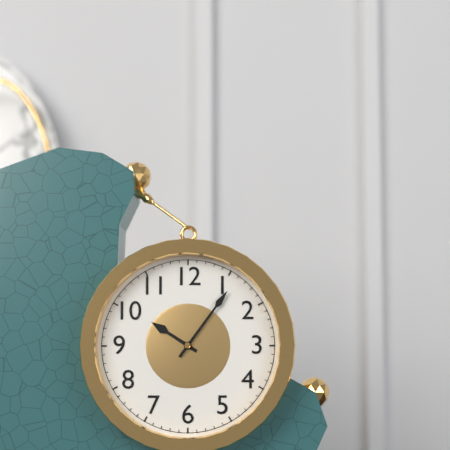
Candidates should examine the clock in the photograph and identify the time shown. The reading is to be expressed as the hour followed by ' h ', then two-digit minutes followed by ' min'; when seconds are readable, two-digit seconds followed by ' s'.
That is 10 h 06 min
